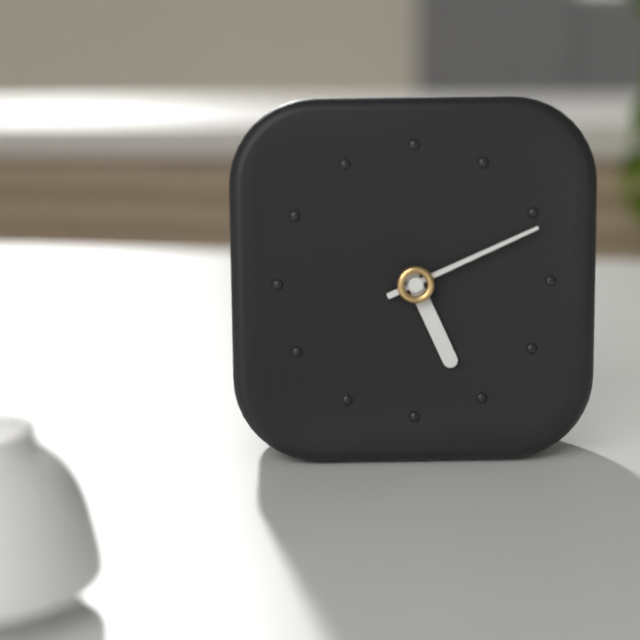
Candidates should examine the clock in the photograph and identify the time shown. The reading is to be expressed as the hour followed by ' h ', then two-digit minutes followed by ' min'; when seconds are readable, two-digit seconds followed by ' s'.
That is 5 h 11 min
